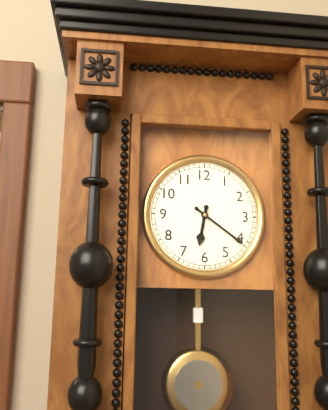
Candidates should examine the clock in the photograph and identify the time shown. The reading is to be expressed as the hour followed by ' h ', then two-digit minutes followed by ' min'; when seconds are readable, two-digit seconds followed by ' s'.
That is 6 h 21 min
